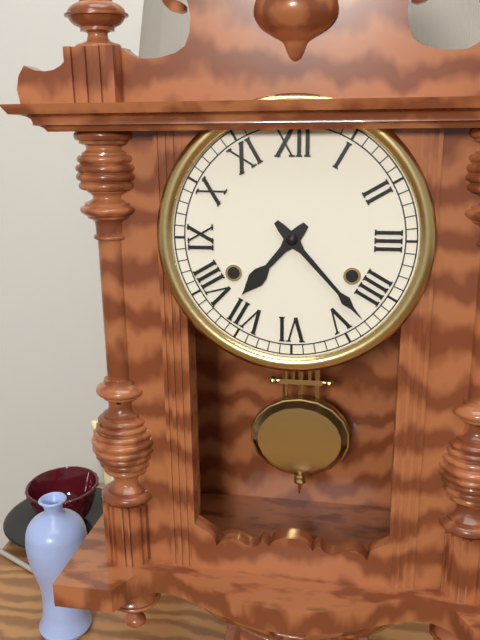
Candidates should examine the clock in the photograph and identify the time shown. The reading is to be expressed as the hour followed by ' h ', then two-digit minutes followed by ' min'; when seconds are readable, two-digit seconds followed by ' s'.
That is 7 h 23 min
